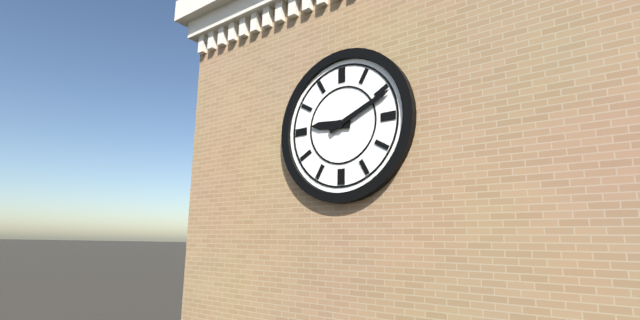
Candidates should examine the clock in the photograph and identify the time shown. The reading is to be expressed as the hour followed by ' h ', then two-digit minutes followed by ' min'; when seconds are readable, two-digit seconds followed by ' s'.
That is 9 h 11 min
